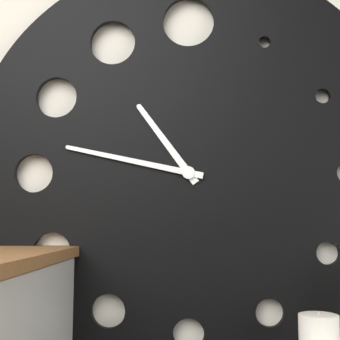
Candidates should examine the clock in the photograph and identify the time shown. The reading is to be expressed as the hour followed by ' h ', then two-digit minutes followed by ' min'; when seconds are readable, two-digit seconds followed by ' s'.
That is 10 h 47 min
